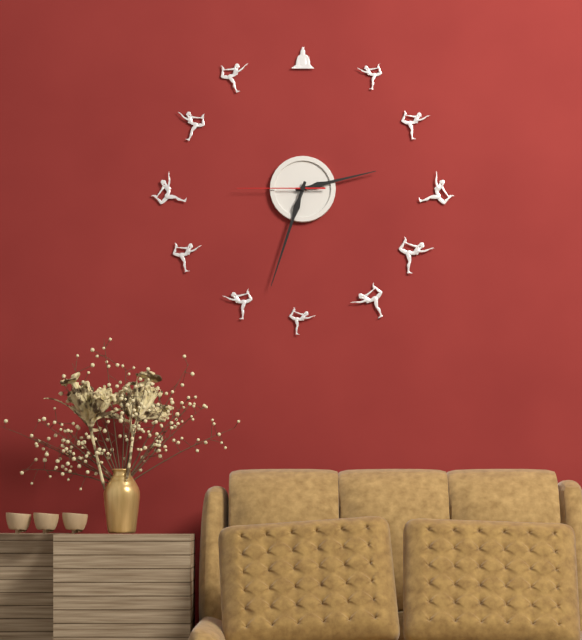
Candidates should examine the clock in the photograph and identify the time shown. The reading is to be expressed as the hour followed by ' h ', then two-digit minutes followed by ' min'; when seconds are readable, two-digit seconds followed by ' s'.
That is 2 h 33 min 45 s
